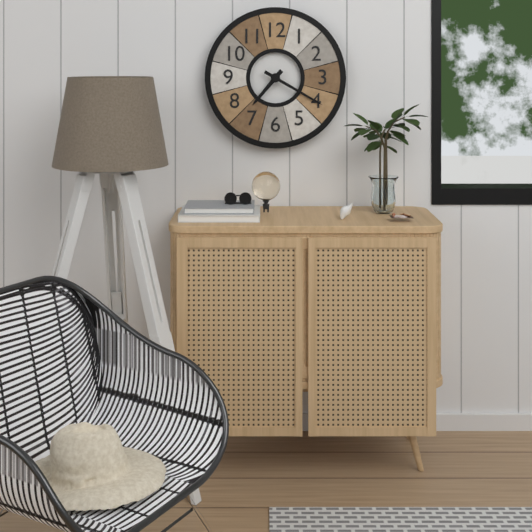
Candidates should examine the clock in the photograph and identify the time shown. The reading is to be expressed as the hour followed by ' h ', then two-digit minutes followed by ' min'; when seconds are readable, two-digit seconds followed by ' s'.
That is 7 h 20 min
